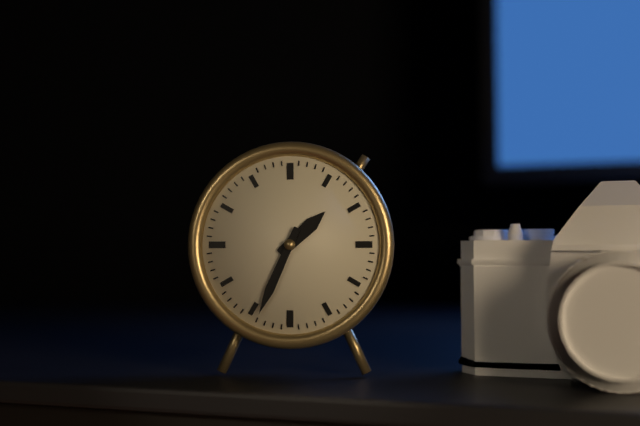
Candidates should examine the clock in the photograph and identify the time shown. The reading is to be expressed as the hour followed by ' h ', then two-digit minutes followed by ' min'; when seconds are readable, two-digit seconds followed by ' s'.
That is 1 h 34 min
